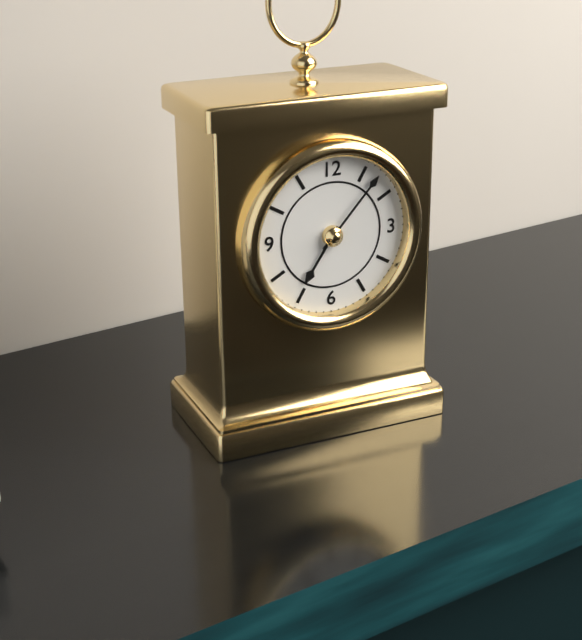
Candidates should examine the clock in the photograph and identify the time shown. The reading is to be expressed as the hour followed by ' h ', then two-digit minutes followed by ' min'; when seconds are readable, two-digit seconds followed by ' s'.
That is 7 h 07 min
